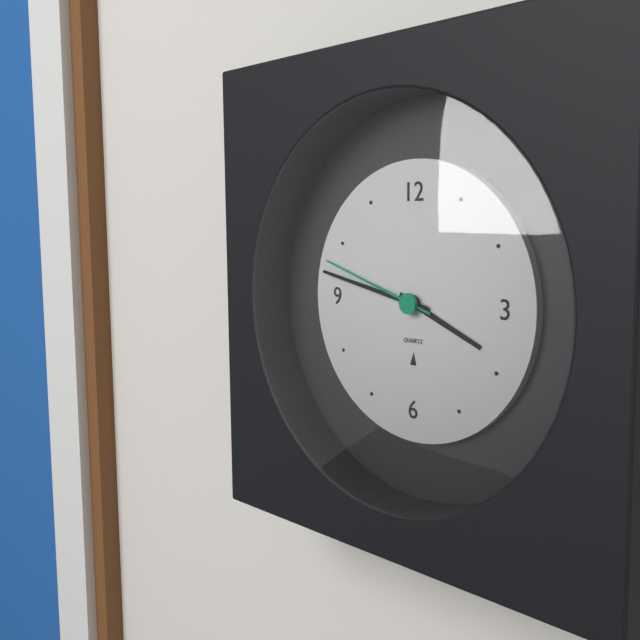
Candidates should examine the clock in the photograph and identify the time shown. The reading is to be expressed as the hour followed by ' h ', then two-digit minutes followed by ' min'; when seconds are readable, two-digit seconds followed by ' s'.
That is 3 h 47 min 48 s
